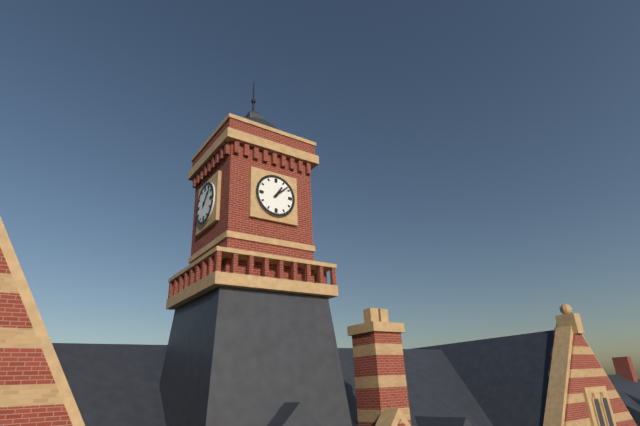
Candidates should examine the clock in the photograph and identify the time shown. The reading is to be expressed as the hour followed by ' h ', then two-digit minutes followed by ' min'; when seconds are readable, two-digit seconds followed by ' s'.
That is 1 h 08 min
